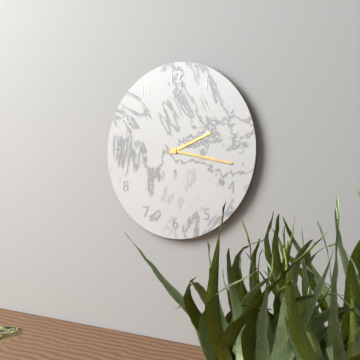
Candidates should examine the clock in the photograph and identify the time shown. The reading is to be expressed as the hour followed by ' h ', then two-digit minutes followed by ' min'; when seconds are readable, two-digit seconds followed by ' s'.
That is 2 h 17 min
